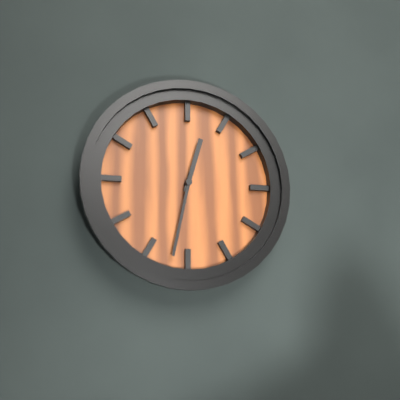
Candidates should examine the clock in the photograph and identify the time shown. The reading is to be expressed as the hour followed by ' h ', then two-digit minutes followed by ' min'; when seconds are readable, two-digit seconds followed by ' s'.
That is 12 h 32 min
